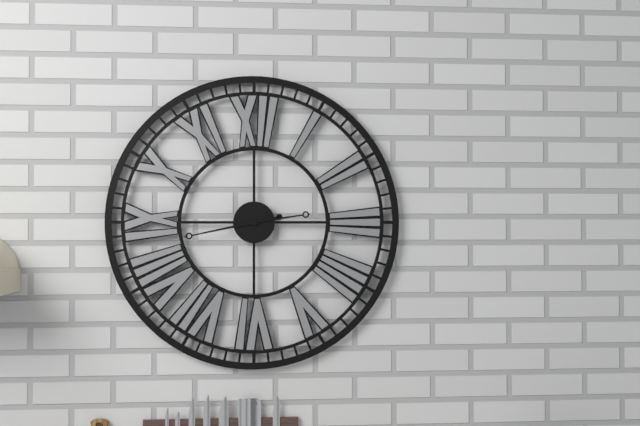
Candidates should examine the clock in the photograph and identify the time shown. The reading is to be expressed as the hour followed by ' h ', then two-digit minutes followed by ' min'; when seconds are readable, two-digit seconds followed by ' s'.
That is 2 h 43 min
